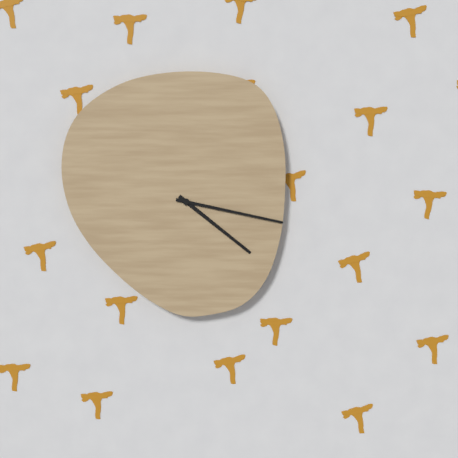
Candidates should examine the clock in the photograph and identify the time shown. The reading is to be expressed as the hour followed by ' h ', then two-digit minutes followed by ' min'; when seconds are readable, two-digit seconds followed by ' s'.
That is 4 h 17 min
